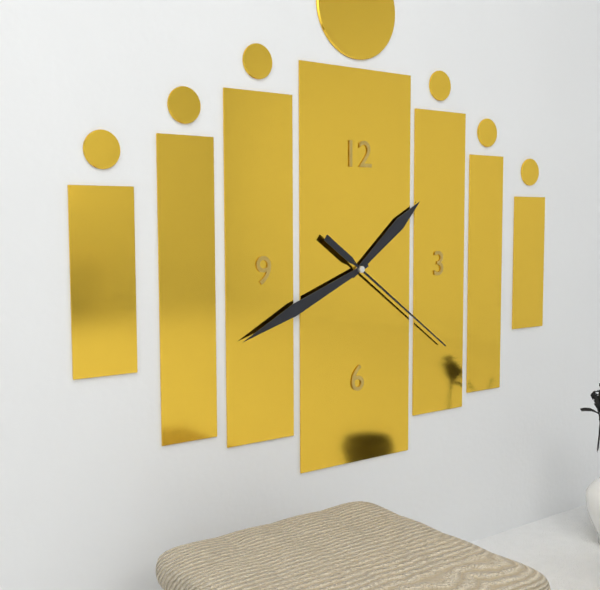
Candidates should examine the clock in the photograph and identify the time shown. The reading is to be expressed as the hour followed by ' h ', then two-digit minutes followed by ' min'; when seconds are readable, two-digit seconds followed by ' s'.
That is 1 h 41 min 21 s
